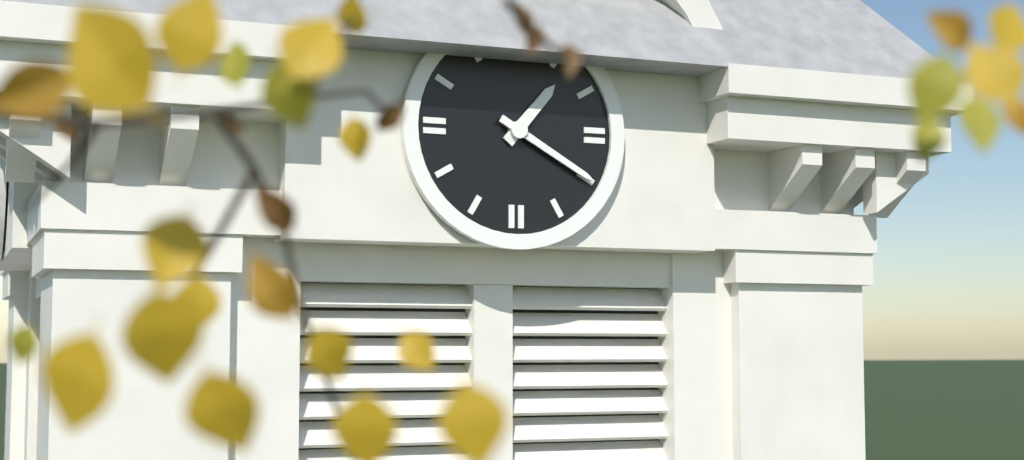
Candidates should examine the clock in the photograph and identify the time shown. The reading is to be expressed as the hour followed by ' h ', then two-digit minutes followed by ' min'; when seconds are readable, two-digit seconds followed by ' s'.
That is 1 h 20 min
